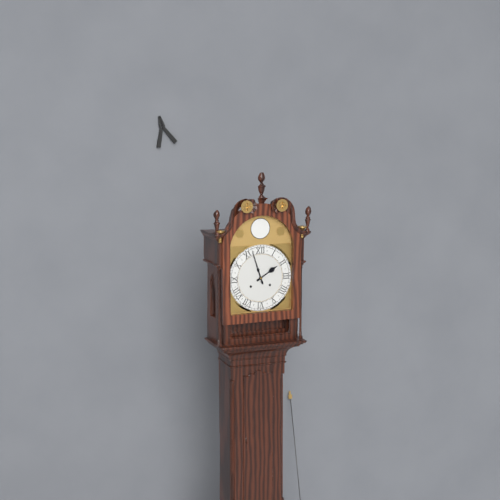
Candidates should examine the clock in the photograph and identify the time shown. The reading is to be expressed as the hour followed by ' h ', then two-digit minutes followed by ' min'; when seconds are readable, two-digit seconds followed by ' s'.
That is 1 h 57 min
